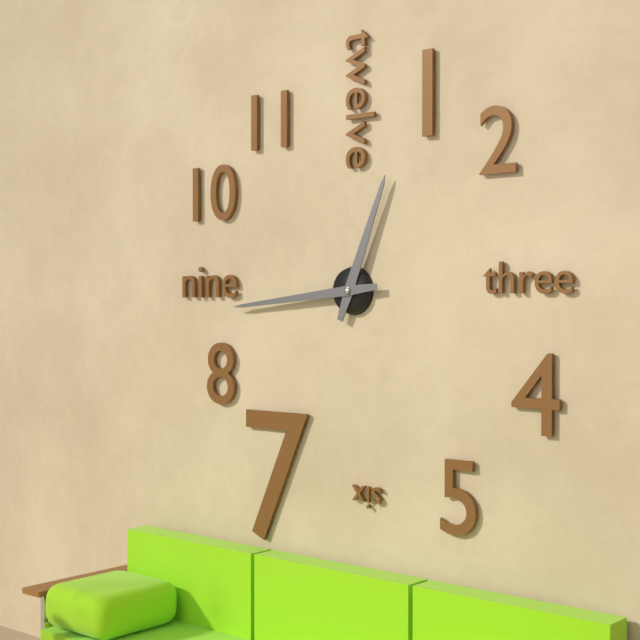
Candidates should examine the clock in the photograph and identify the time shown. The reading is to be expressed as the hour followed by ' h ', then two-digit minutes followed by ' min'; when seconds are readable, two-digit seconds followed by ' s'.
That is 12 h 44 min
